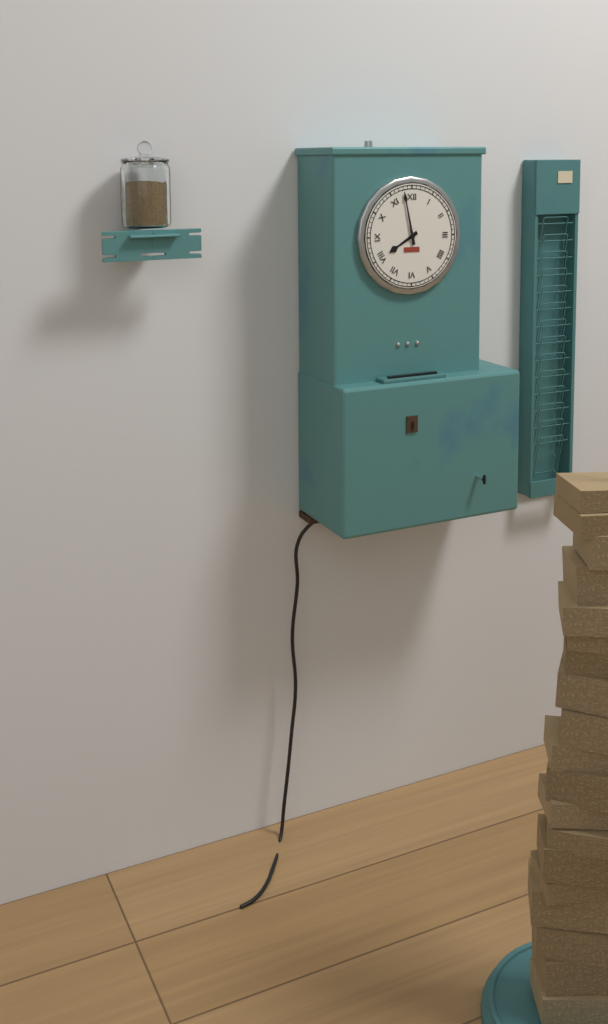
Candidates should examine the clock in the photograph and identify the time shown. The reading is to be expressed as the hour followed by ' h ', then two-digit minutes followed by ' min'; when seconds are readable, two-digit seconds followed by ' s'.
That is 7 h 58 min
